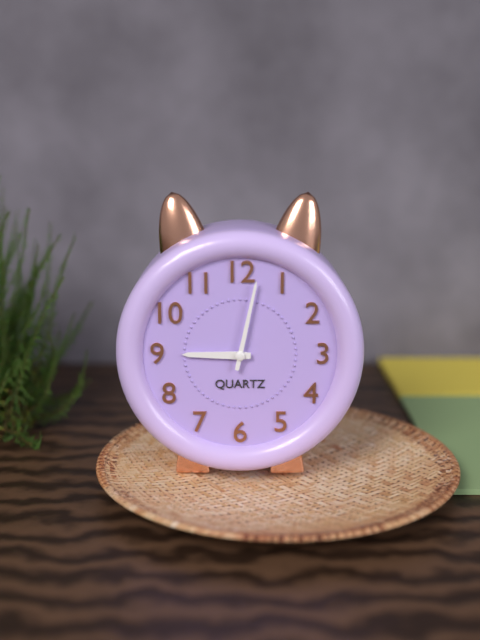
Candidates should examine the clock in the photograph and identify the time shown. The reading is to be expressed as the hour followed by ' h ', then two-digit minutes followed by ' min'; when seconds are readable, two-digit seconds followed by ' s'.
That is 9 h 02 min
